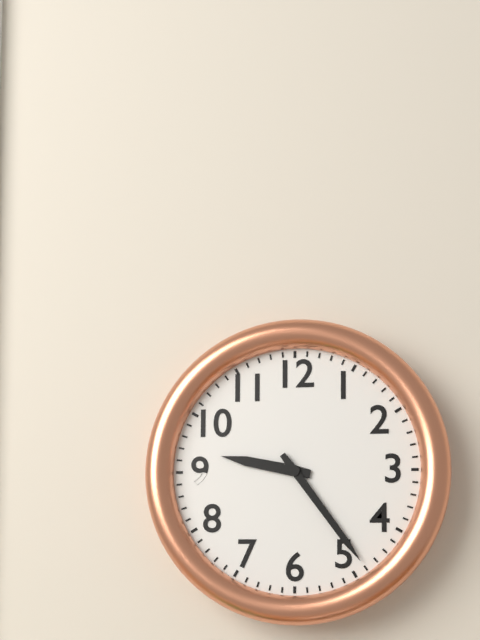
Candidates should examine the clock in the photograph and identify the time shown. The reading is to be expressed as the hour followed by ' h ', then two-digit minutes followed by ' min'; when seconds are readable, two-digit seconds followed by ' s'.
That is 9 h 24 min
